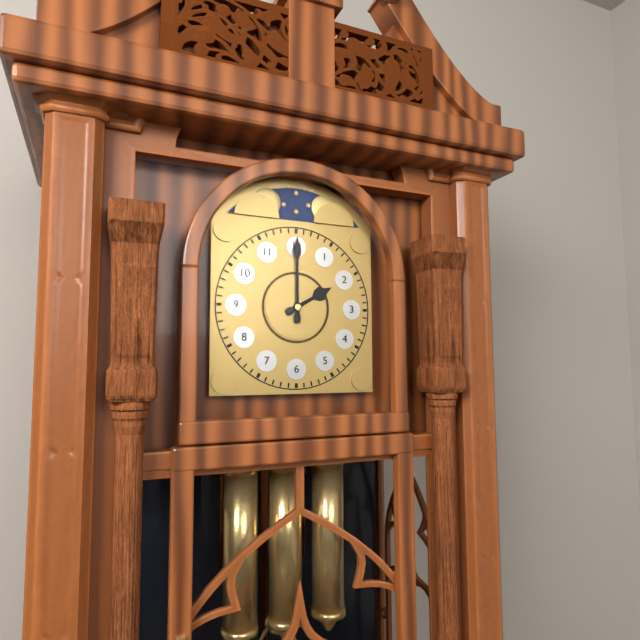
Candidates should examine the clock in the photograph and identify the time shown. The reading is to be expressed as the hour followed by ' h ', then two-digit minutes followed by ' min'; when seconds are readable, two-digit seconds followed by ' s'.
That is 2 h 00 min
